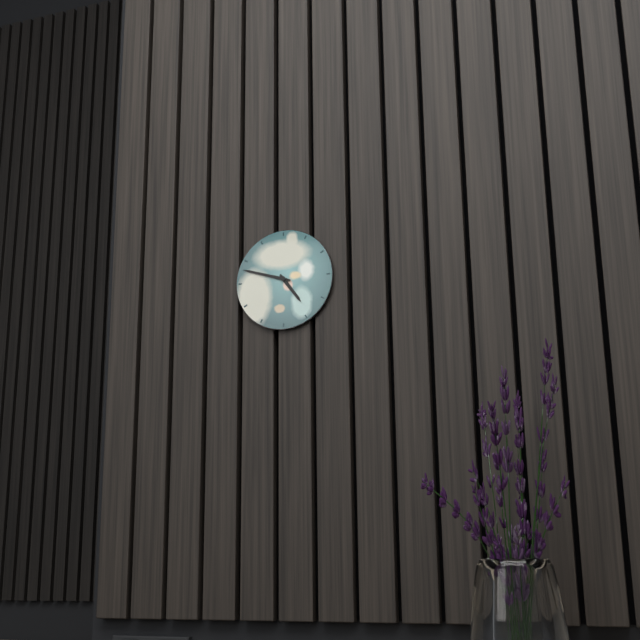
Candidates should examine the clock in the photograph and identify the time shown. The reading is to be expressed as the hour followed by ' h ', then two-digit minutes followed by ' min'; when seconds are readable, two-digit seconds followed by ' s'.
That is 4 h 48 min
